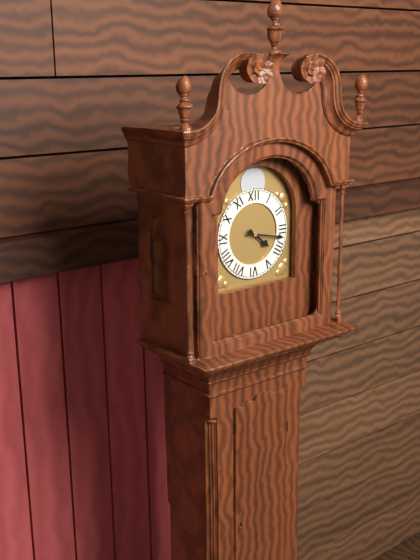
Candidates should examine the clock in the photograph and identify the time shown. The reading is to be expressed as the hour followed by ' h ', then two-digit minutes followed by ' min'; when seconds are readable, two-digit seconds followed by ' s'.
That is 4 h 17 min
